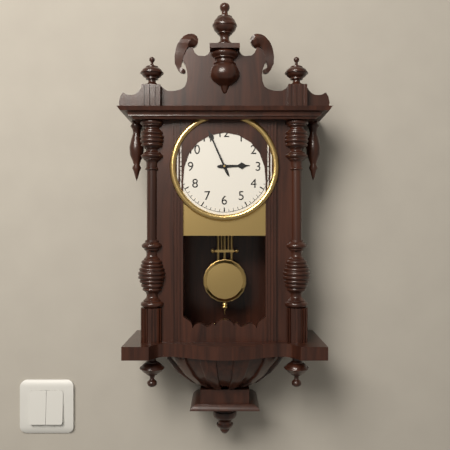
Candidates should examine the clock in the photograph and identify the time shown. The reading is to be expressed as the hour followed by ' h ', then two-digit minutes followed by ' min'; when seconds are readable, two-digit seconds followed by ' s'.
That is 2 h 56 min
